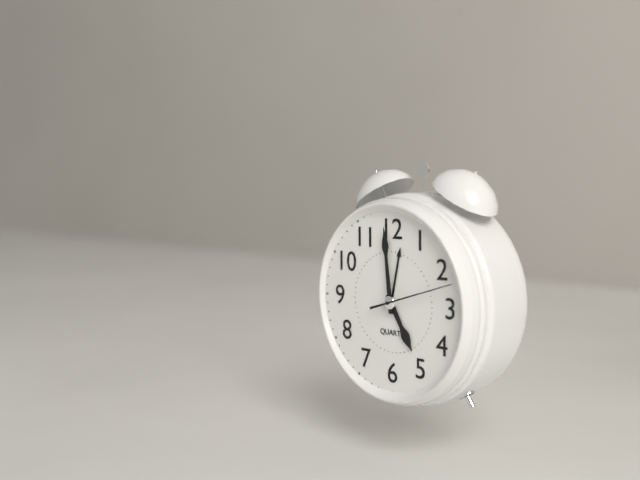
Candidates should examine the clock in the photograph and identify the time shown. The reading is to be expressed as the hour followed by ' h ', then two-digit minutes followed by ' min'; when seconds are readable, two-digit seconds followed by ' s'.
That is 4 h 59 min 12 s
